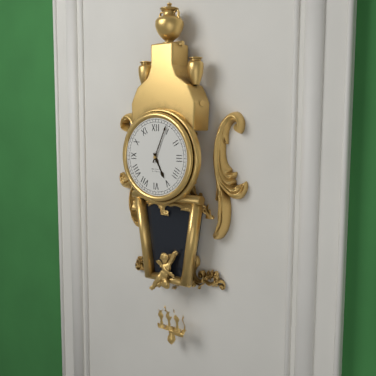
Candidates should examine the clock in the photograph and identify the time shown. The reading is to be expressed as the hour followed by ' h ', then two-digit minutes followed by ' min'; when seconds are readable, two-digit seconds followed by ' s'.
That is 5 h 04 min
